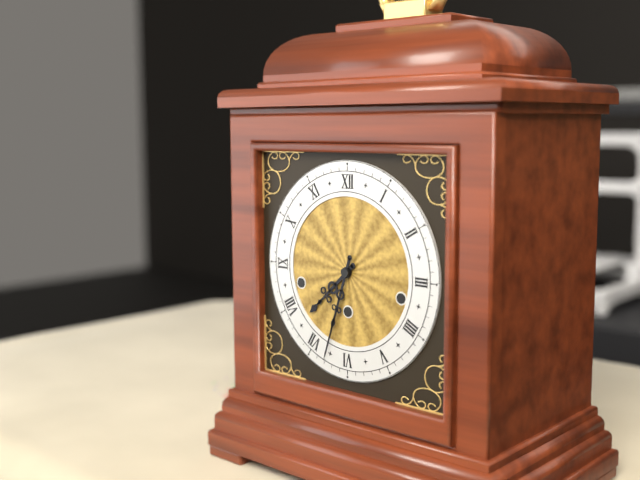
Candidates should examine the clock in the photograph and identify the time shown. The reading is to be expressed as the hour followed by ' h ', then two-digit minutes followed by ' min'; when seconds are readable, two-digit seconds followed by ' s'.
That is 7 h 33 min
